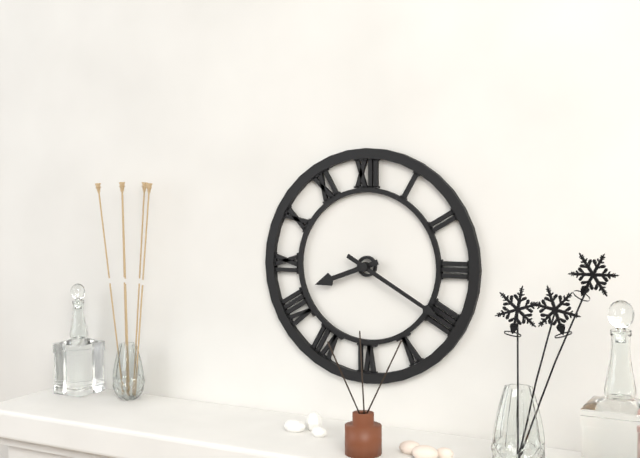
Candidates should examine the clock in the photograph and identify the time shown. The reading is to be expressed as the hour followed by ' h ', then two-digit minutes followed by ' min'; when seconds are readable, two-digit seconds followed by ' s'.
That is 8 h 20 min
